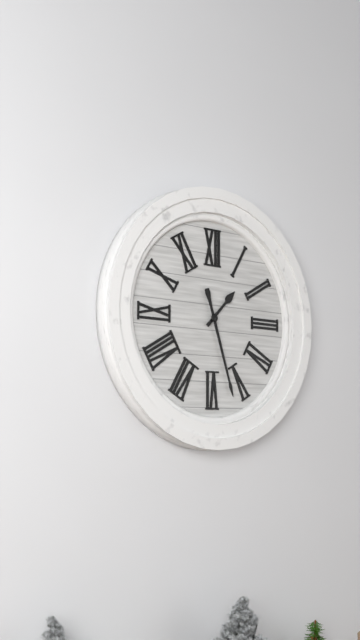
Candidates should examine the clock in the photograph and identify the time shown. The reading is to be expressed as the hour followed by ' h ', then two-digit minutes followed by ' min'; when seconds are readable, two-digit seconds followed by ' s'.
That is 1 h 27 min
